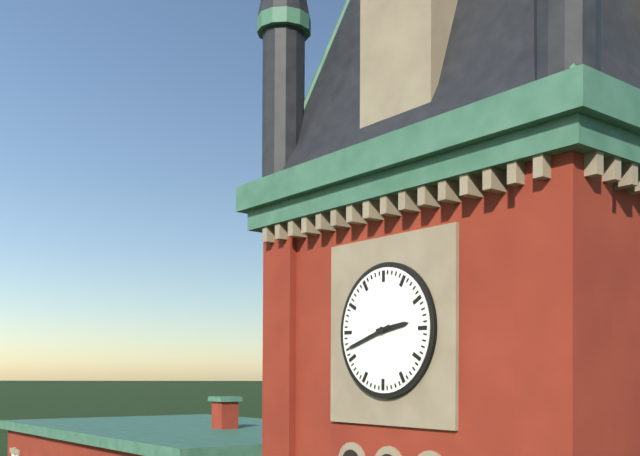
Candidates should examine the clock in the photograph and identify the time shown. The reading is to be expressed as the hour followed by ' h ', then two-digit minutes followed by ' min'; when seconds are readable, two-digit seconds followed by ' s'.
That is 2 h 42 min
